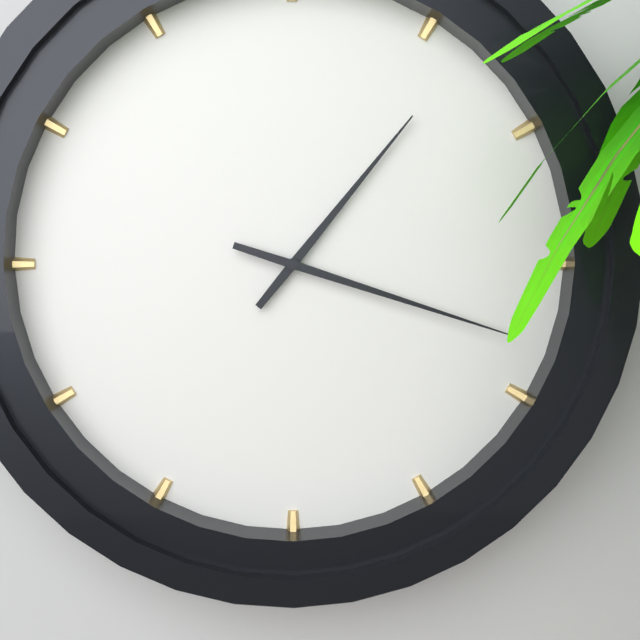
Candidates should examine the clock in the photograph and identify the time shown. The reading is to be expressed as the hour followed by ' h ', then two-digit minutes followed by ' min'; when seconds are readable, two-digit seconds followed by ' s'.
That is 1 h 18 min
